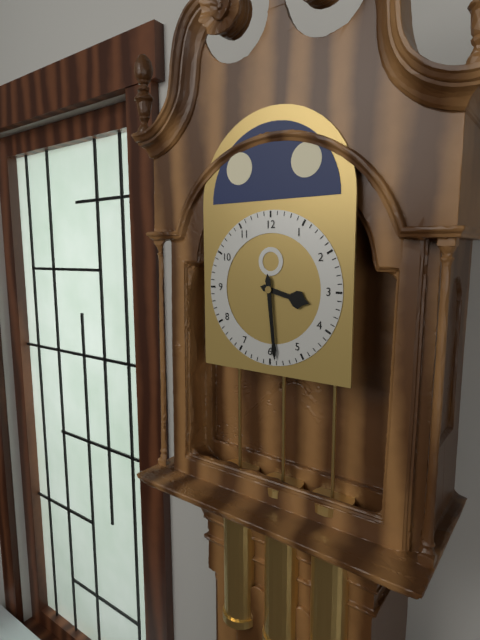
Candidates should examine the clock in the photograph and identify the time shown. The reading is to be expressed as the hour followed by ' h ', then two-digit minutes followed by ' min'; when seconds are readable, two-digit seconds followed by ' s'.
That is 3 h 29 min
